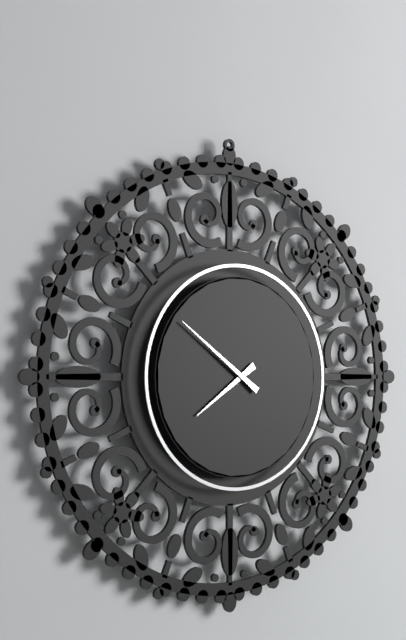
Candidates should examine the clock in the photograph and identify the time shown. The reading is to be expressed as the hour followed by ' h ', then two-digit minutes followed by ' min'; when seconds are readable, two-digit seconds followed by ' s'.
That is 7 h 51 min
